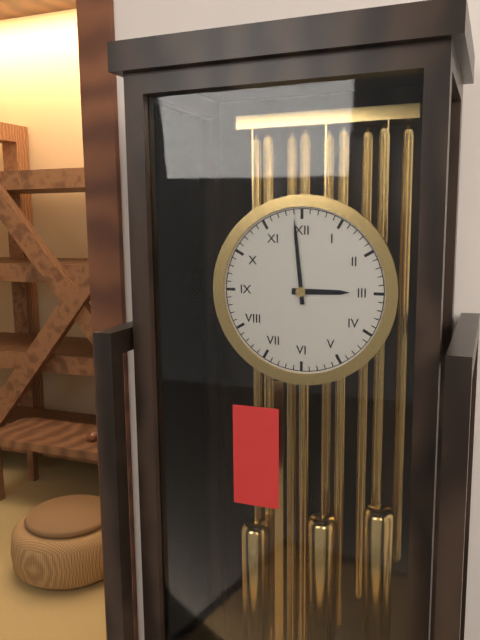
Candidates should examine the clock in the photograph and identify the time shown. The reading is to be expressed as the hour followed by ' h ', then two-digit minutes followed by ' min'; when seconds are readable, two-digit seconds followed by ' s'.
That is 2 h 59 min
